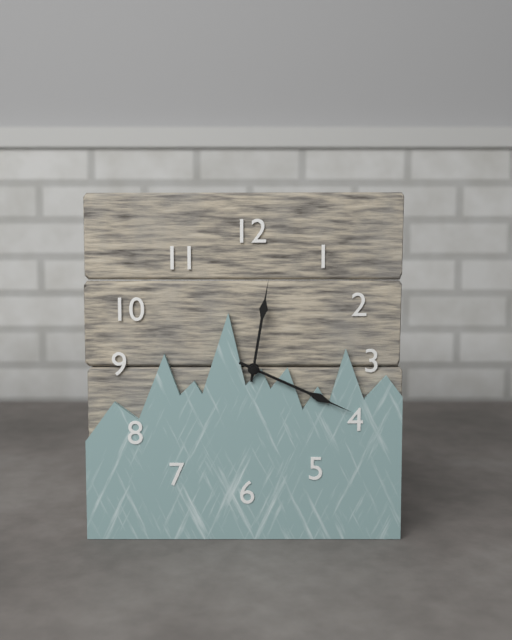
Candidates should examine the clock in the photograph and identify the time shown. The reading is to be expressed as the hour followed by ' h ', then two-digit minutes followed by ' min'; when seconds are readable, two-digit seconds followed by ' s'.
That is 12 h 19 min
